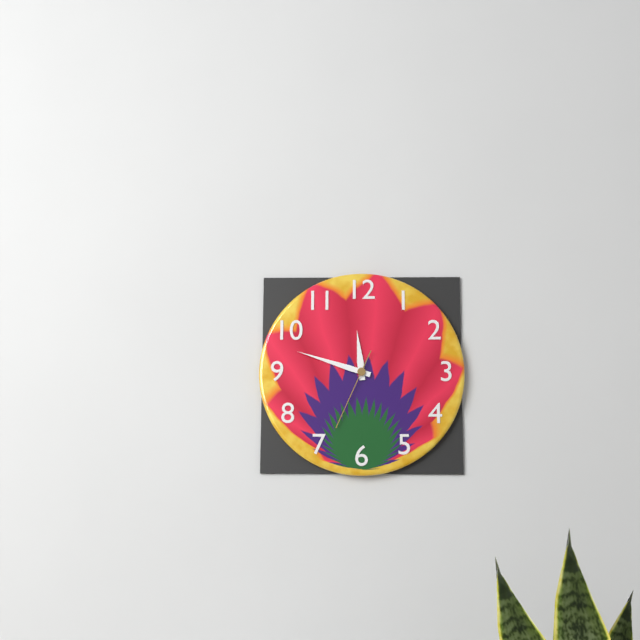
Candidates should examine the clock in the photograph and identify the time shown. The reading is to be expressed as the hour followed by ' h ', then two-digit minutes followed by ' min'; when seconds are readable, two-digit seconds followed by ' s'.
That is 11 h 48 min 34 s
